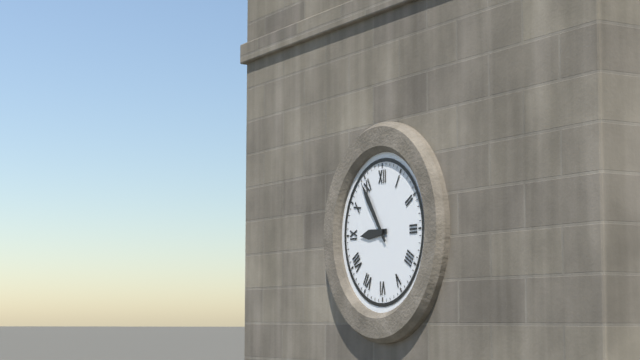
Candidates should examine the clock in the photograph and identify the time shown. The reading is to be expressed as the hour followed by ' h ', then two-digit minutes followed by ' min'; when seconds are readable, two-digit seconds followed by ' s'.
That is 8 h 54 min
